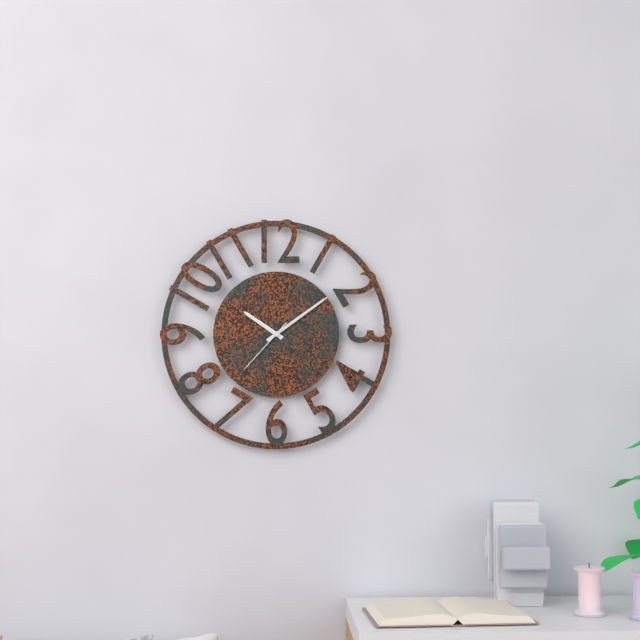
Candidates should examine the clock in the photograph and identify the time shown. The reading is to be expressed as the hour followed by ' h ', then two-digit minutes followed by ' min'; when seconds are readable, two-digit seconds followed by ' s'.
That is 10 h 09 min 37 s
